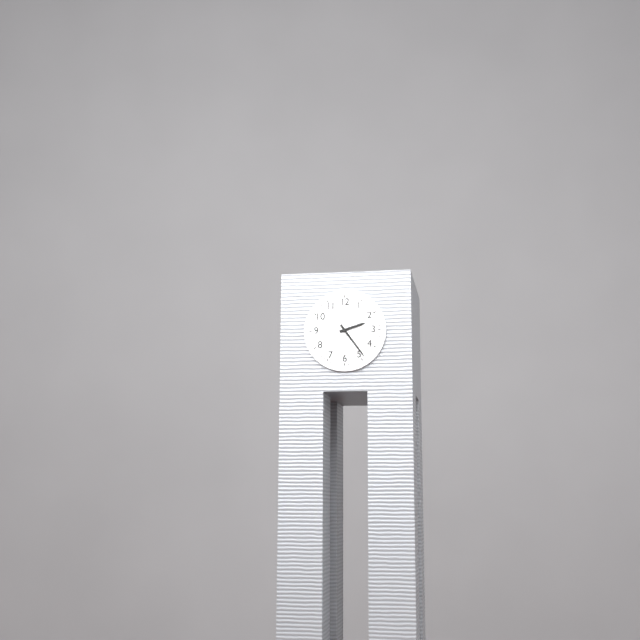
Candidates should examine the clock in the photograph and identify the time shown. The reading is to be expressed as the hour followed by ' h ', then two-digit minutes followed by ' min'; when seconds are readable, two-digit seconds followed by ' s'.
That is 2 h 24 min
